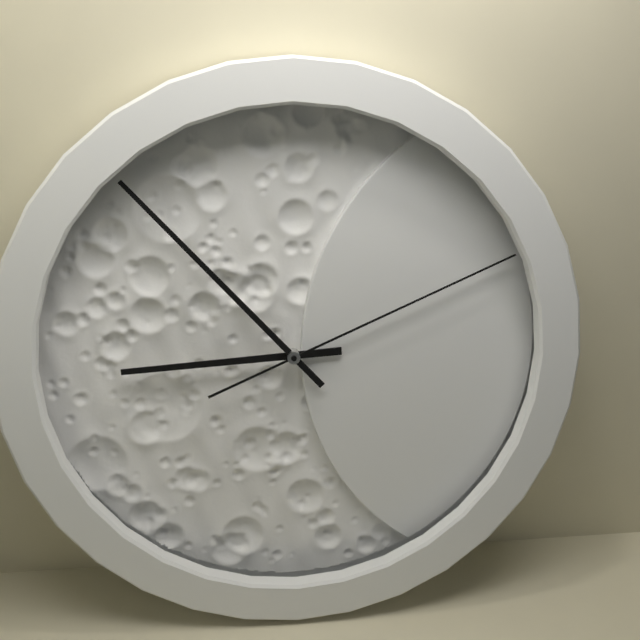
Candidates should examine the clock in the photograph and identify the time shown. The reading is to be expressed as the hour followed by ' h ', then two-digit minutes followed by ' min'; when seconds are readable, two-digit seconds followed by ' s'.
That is 8 h 53 min 11 s
